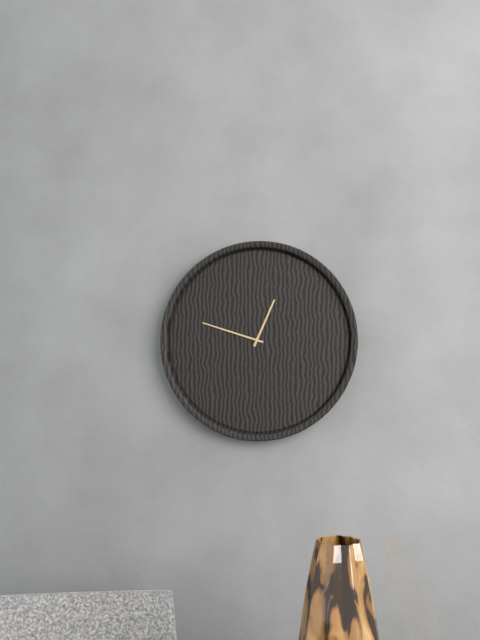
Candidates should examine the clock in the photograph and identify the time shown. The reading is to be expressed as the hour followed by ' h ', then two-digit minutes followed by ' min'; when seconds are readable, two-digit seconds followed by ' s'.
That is 12 h 48 min
